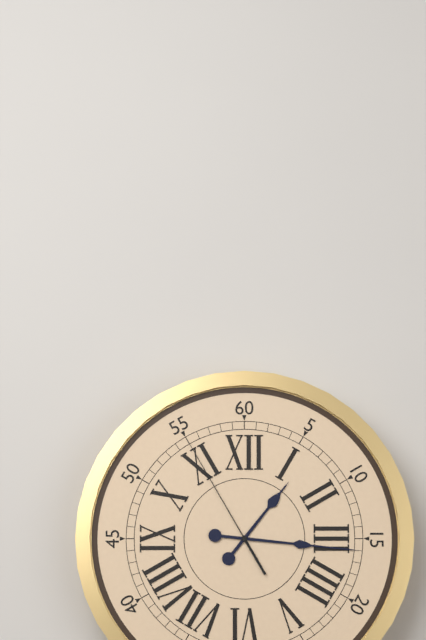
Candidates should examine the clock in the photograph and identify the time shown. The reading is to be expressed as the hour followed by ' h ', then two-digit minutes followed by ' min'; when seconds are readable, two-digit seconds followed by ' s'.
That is 1 h 16 min 55 s
